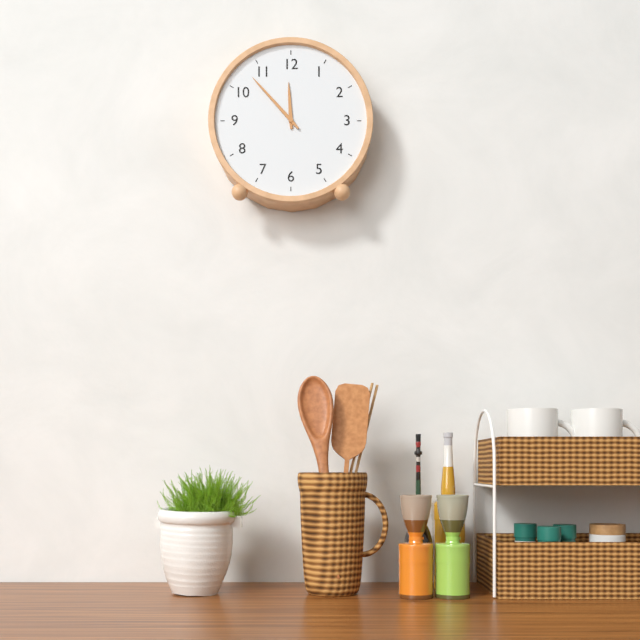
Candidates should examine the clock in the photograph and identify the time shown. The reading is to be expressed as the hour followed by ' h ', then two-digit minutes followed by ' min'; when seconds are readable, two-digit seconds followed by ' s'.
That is 11 h 53 min
